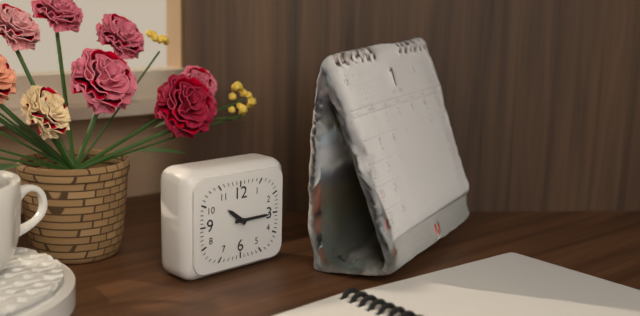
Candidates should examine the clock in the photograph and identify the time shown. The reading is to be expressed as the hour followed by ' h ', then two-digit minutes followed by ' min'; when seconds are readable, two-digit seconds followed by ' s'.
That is 10 h 15 min
